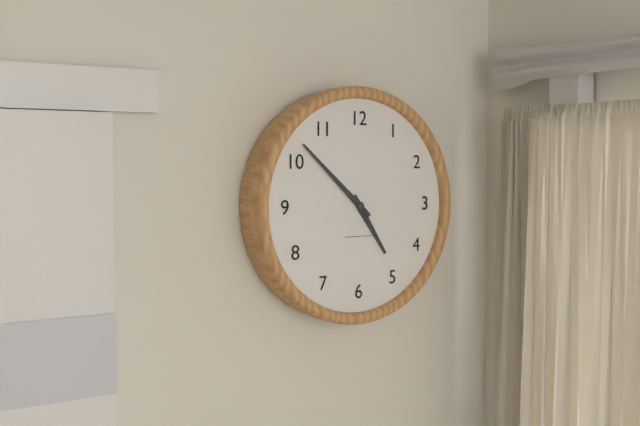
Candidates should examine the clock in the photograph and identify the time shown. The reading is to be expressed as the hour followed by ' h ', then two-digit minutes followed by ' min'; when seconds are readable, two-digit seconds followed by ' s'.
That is 4 h 52 min
